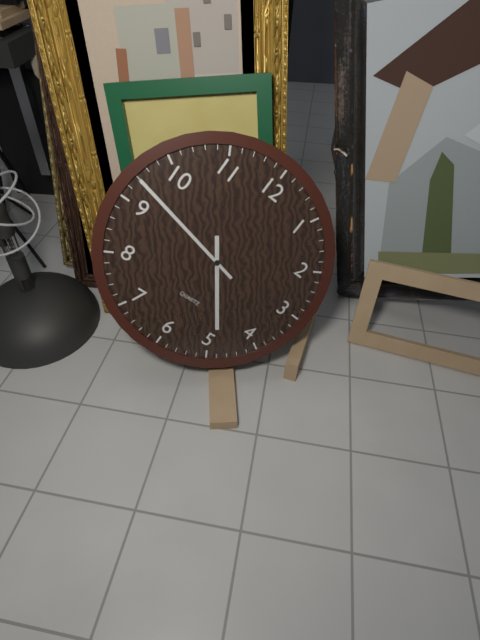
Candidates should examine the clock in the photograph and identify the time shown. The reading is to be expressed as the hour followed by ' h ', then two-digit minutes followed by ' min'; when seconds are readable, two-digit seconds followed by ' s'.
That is 4 h 47 min
